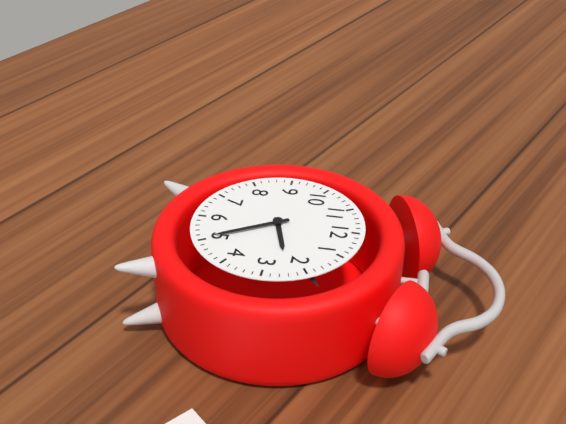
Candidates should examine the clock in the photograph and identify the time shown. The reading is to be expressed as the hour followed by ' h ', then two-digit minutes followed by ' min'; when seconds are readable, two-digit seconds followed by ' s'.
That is 2 h 25 min
